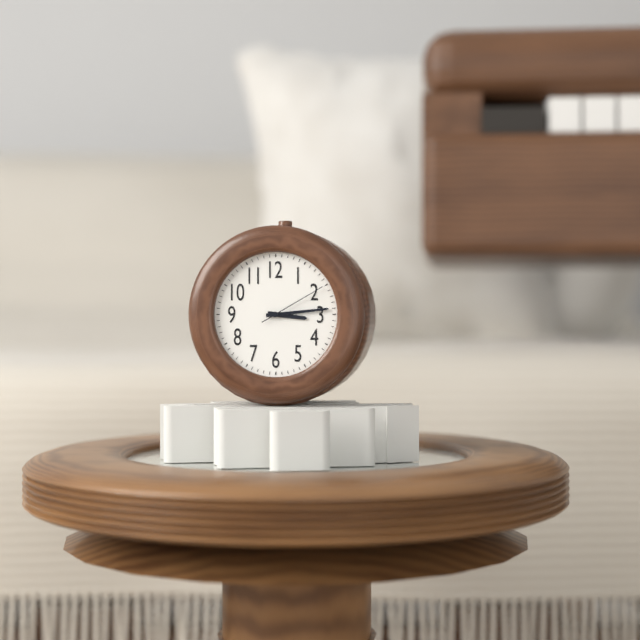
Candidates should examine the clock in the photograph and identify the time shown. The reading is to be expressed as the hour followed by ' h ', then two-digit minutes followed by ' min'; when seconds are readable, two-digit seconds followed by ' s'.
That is 3 h 14 min 10 s
